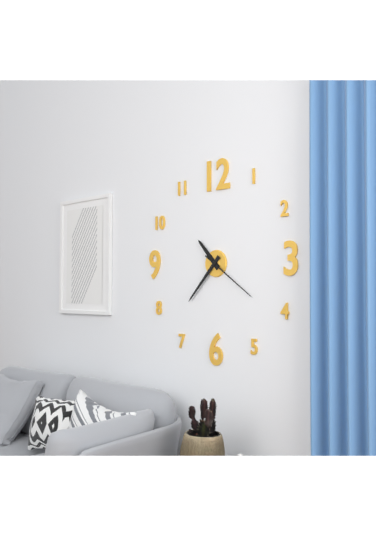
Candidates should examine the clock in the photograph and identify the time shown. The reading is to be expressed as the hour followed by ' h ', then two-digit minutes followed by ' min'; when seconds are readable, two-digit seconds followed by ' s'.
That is 10 h 37 min 21 s
